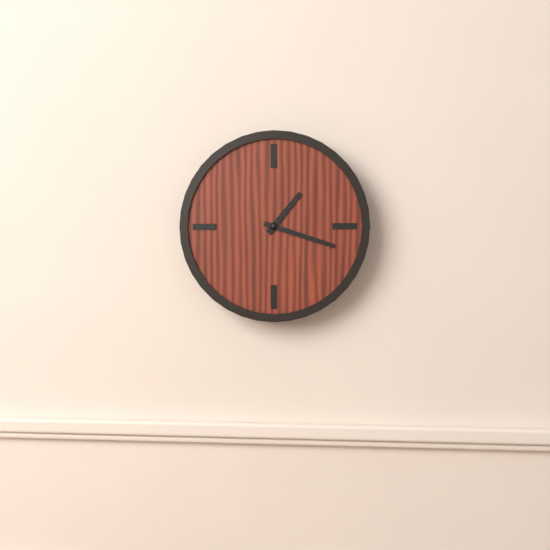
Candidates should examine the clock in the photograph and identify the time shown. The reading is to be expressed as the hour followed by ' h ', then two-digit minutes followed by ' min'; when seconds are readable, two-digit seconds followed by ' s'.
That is 1 h 18 min
